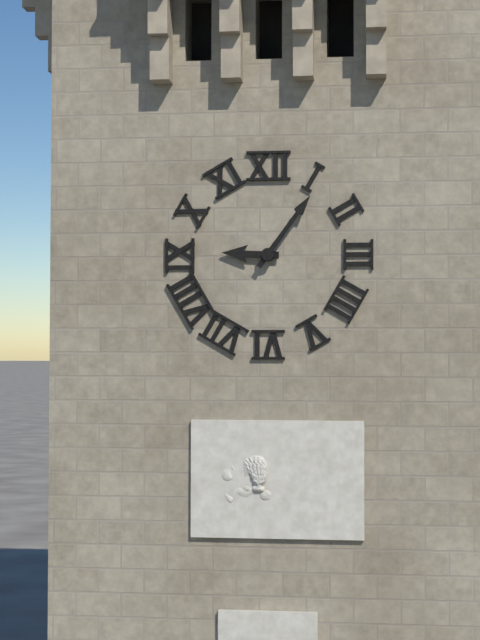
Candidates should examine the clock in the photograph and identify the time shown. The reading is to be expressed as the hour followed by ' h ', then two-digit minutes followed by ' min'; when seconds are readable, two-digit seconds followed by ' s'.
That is 9 h 06 min
